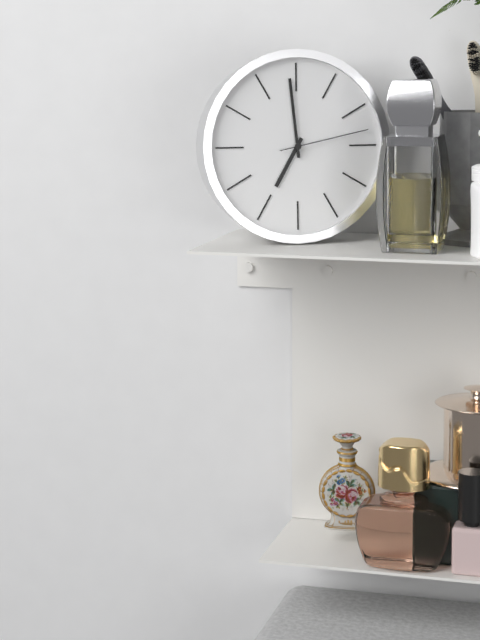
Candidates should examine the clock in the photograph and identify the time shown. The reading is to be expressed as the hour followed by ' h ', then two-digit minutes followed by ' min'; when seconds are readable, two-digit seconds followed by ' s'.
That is 6 h 59 min 13 s
